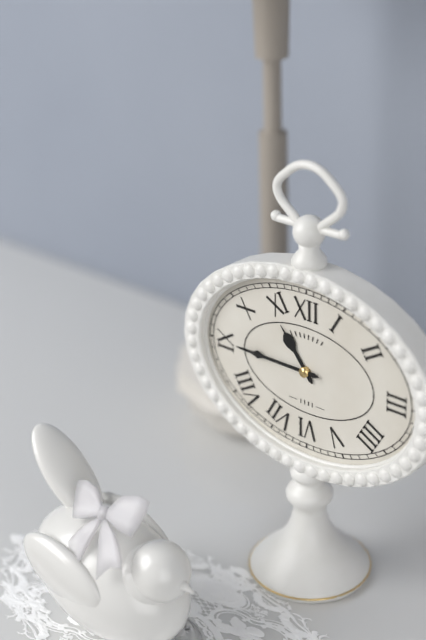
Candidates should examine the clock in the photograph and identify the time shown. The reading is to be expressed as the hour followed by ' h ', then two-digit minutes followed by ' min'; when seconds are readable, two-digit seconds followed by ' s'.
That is 10 h 45 min
